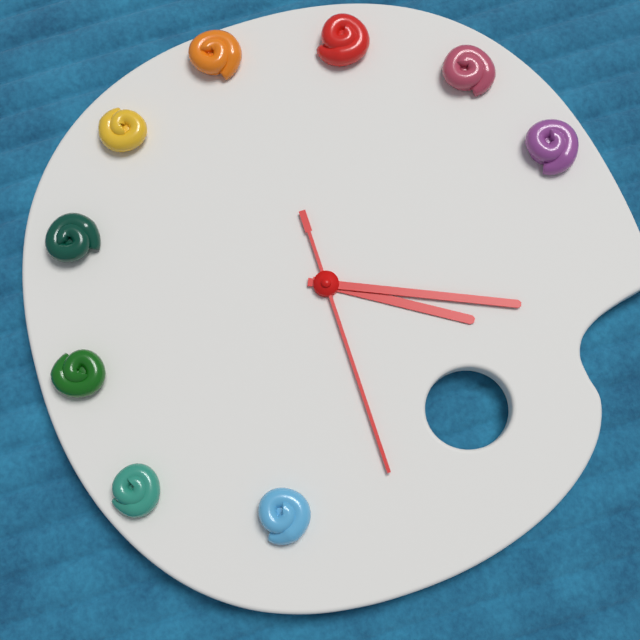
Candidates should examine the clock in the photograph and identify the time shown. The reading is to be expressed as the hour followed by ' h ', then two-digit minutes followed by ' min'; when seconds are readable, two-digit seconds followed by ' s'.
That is 1 h 04 min 15 s
